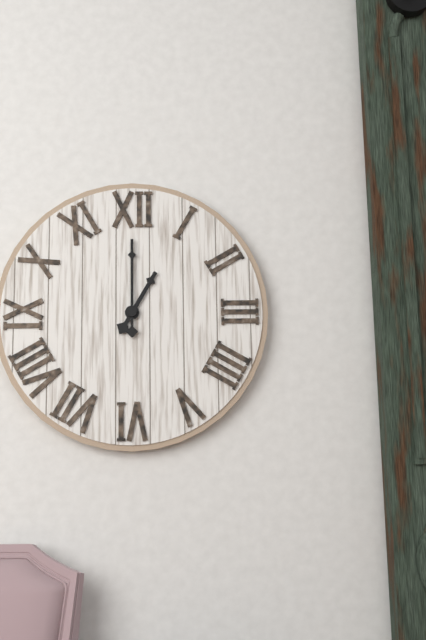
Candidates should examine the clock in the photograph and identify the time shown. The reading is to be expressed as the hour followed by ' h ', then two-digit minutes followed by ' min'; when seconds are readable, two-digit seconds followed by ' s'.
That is 1 h 00 min
